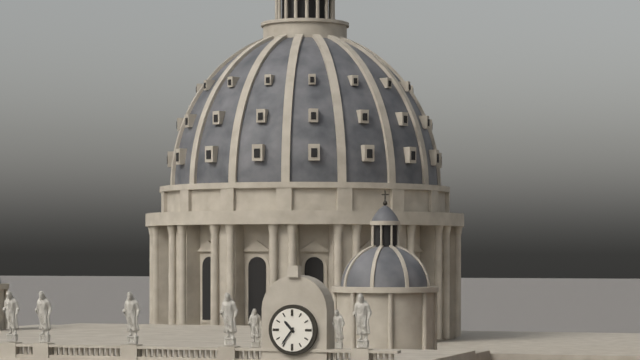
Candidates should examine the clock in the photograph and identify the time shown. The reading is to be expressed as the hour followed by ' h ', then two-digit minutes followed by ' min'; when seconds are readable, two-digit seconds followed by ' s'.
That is 10 h 36 min
